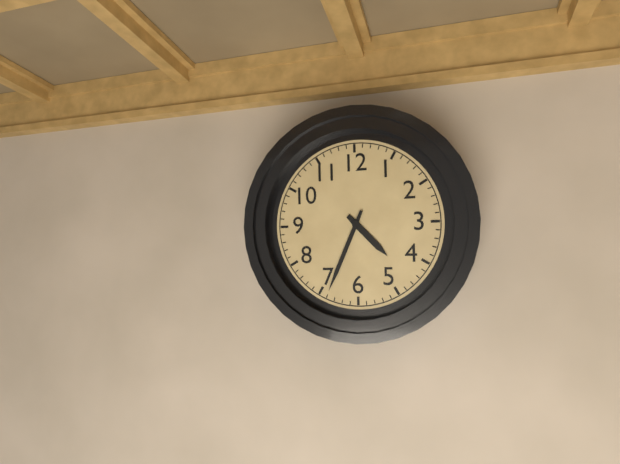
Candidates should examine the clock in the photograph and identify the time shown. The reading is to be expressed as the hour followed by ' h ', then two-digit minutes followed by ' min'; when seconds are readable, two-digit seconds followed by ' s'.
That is 4 h 34 min
